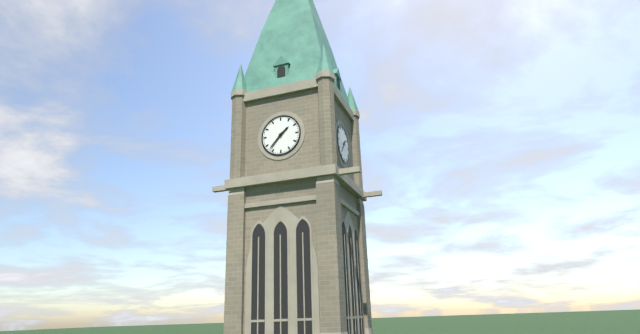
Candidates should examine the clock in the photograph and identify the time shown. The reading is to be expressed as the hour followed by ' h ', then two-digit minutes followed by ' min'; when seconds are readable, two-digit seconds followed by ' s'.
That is 1 h 37 min
